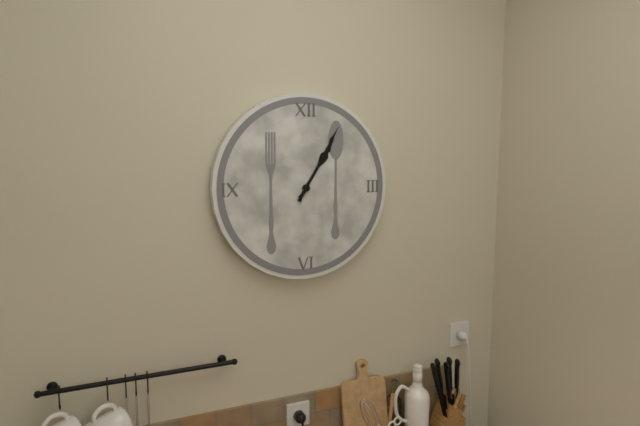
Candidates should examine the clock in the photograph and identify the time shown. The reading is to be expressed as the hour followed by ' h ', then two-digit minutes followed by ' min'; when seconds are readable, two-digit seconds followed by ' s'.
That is 1 h 05 min
